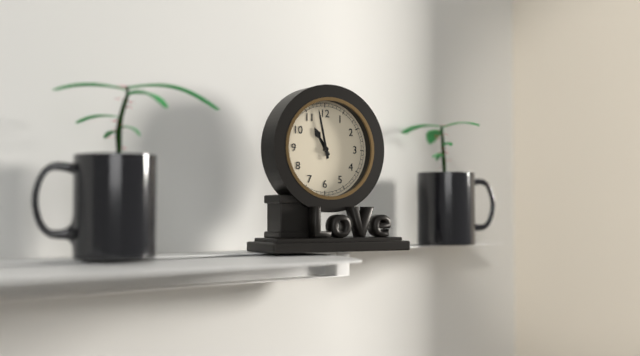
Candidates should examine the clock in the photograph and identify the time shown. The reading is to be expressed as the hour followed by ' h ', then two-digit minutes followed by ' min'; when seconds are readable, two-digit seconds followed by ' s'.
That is 10 h 58 min
